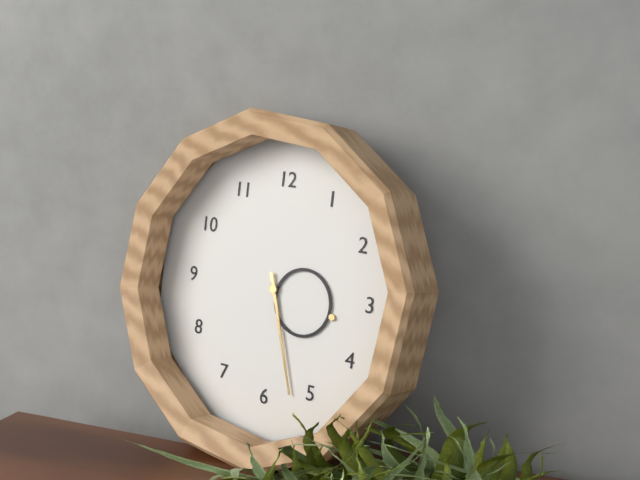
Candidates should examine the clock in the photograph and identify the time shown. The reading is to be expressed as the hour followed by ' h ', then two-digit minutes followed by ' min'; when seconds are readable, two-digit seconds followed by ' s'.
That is 3 h 27 min
